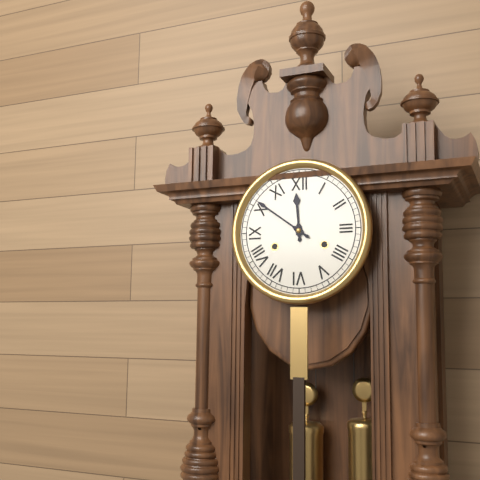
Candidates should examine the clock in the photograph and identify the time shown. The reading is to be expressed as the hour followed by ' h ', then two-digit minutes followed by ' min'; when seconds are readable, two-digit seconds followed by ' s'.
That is 11 h 51 min
